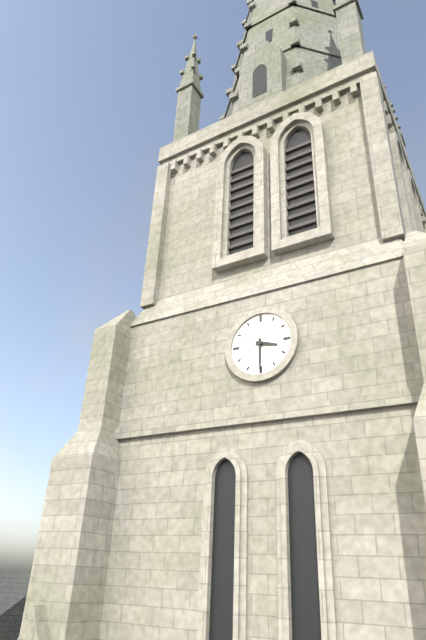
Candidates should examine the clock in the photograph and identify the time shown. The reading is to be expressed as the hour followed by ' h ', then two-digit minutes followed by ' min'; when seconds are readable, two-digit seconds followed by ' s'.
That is 3 h 30 min
